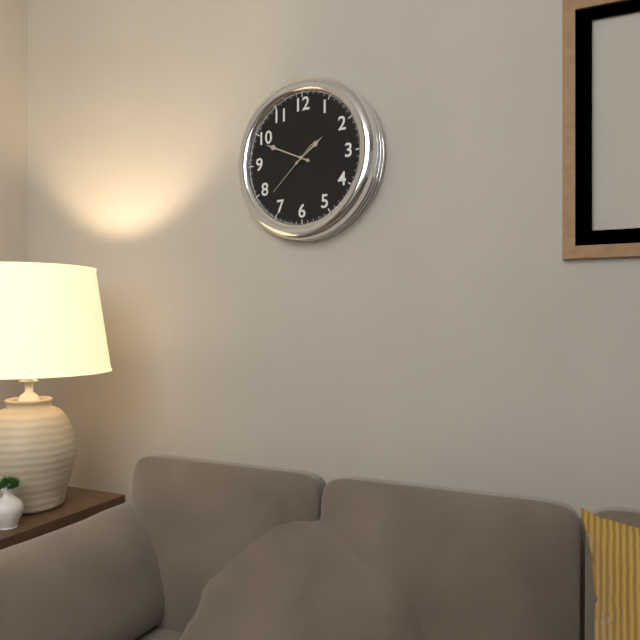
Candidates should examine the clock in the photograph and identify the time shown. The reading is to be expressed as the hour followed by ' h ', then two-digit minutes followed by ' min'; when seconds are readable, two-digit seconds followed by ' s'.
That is 1 h 49 min 38 s
